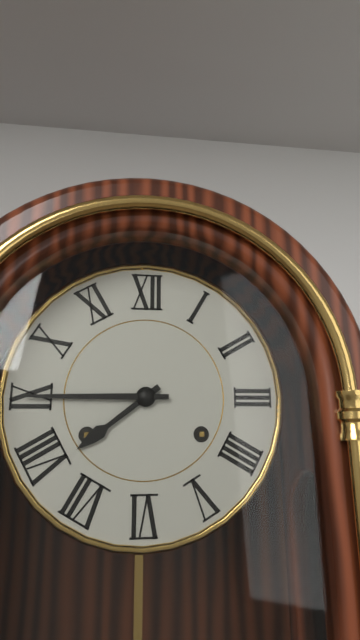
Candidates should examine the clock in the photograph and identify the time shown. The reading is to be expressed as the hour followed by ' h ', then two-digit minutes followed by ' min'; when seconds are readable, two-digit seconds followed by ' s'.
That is 7 h 45 min
